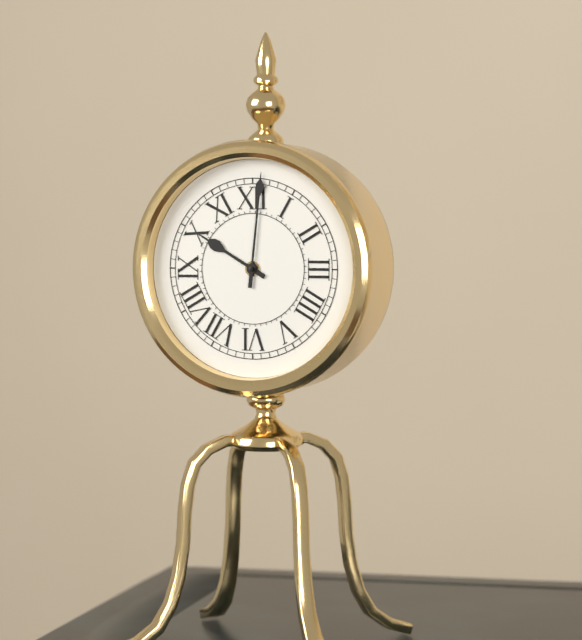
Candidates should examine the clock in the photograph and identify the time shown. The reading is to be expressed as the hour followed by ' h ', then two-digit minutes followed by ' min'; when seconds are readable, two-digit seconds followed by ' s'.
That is 10 h 01 min
